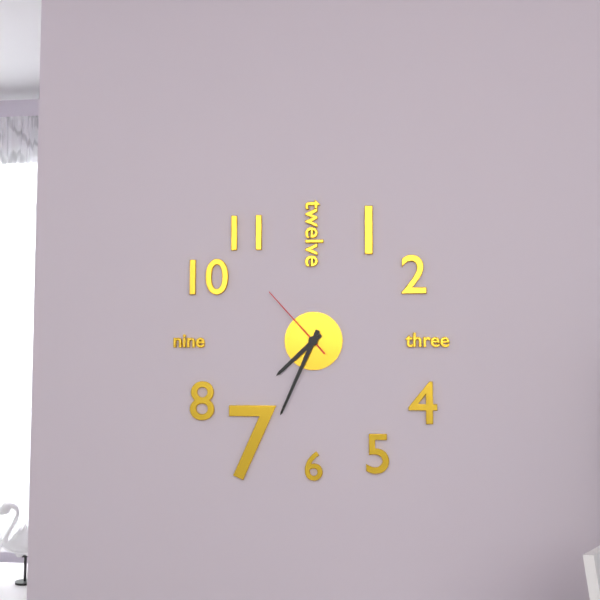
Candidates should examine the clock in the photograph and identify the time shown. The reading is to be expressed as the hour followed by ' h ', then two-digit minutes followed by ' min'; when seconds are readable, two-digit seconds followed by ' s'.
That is 7 h 34 min 53 s
